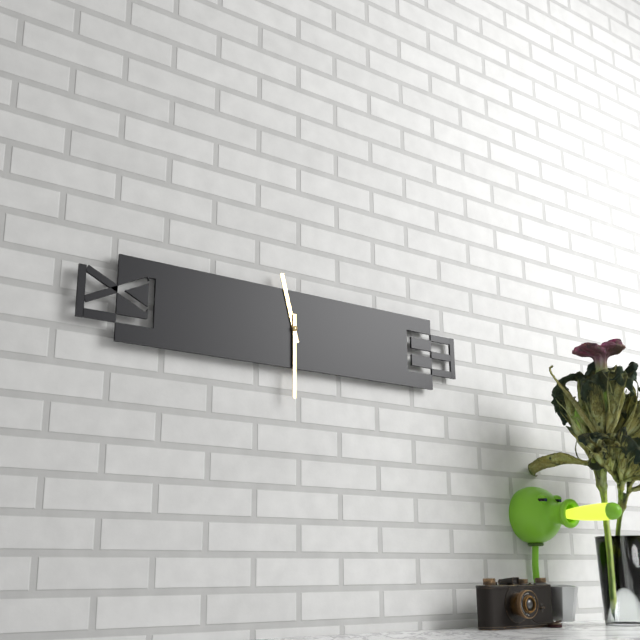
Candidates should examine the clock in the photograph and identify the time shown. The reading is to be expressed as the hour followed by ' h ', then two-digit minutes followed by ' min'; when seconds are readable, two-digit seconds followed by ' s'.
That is 11 h 30 min
